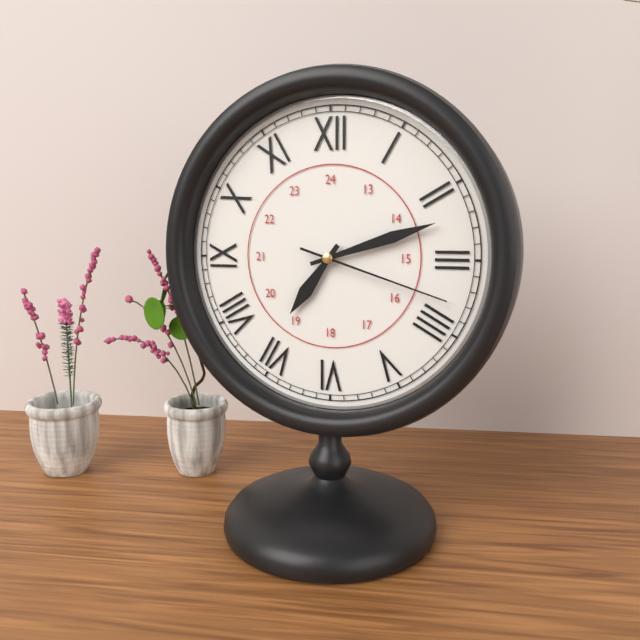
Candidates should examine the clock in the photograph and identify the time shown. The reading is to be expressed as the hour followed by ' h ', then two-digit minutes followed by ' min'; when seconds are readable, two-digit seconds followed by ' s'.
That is 7 h 12 min 18 s
